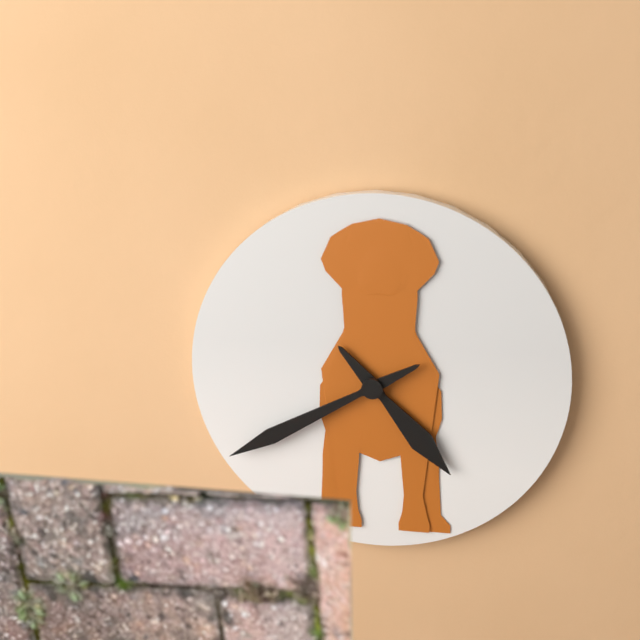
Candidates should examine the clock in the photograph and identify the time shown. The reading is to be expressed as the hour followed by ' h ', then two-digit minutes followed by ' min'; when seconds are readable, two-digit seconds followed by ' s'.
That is 4 h 40 min
